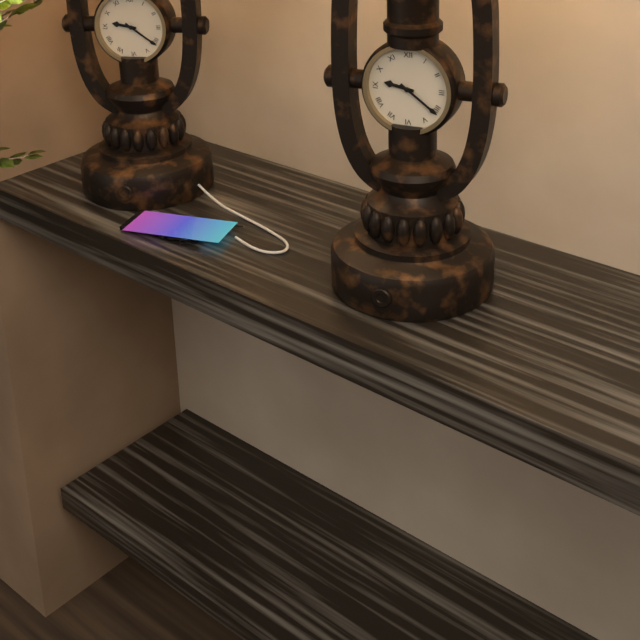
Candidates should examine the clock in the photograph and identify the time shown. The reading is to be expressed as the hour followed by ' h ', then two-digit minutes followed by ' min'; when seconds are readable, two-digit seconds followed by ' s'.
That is 9 h 21 min
